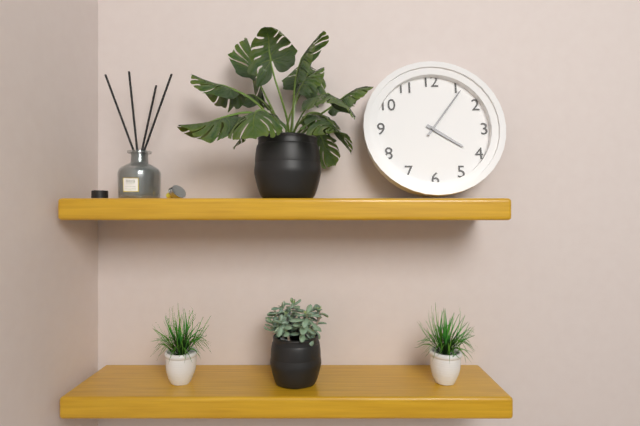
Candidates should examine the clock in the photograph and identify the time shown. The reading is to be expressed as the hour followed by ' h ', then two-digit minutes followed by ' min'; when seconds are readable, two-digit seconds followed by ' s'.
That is 4 h 06 min
